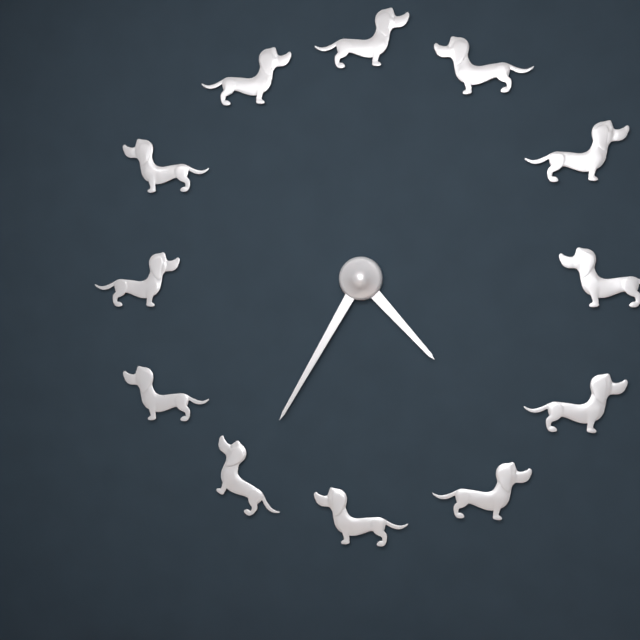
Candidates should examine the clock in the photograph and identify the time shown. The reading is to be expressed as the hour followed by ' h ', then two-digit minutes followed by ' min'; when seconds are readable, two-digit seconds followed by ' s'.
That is 4 h 35 min
